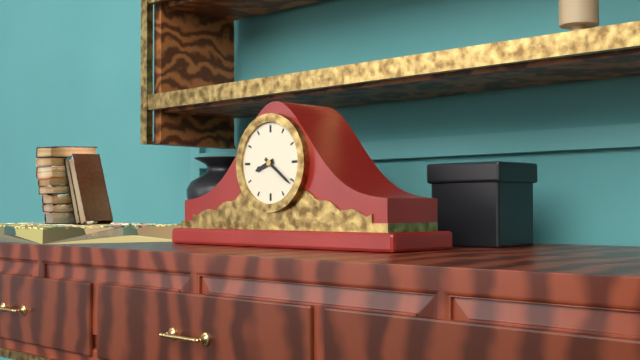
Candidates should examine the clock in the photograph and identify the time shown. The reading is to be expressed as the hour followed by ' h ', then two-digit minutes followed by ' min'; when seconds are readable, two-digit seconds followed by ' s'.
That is 8 h 21 min
